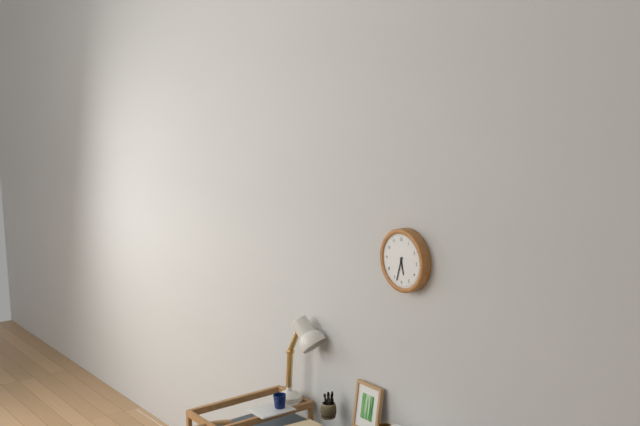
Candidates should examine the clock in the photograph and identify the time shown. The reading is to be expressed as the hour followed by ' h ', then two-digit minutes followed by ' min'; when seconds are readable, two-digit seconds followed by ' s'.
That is 5 h 33 min
